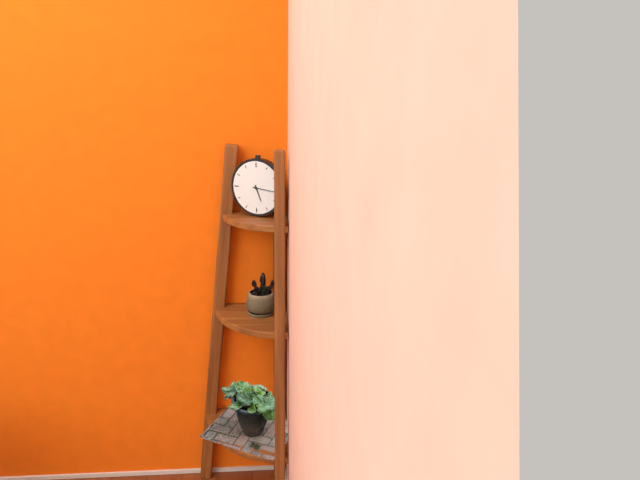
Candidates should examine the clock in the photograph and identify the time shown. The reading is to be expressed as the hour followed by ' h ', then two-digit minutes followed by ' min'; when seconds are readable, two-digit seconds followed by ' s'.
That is 5 h 16 min
